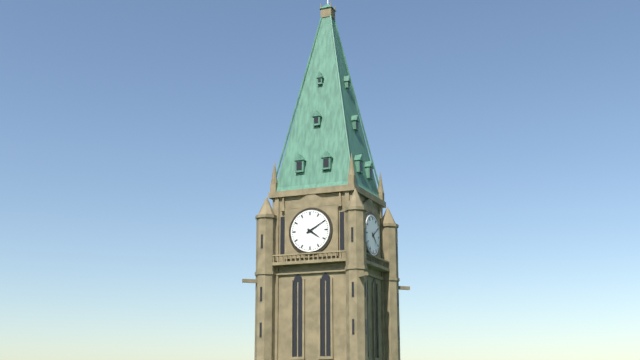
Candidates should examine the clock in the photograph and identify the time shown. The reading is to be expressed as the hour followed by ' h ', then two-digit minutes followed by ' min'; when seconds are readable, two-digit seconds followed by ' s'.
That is 4 h 10 min
